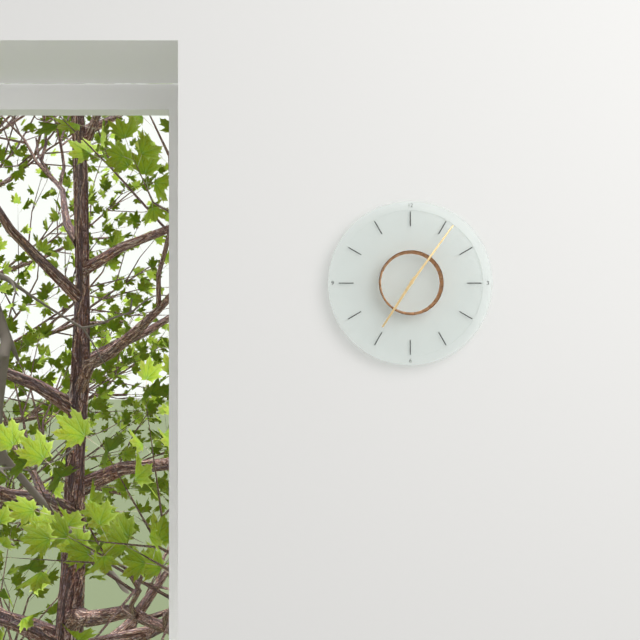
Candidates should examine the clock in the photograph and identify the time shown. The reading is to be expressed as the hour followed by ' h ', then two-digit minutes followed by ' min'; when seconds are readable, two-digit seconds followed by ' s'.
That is 7 h 06 min
